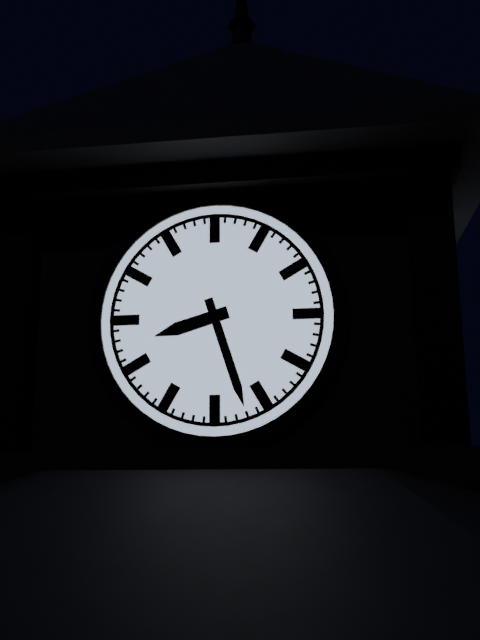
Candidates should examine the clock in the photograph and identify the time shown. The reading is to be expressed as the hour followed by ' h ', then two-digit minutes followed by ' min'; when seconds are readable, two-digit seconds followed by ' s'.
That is 8 h 27 min
